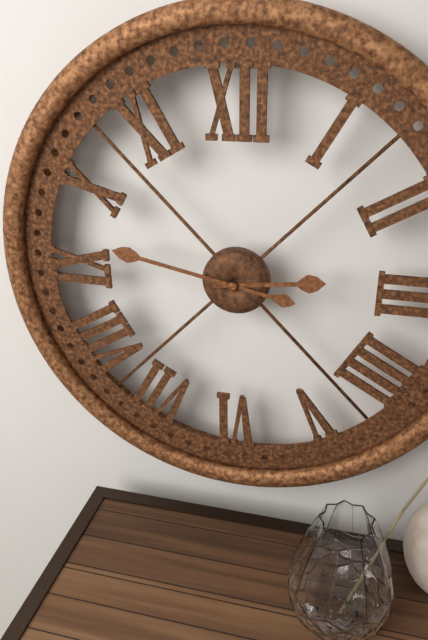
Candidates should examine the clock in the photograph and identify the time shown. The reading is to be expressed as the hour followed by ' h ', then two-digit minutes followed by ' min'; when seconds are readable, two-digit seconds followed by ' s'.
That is 2 h 47 min
